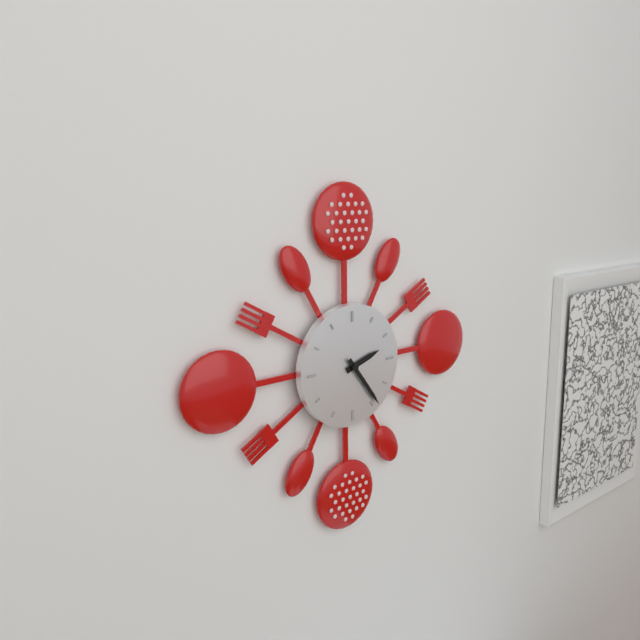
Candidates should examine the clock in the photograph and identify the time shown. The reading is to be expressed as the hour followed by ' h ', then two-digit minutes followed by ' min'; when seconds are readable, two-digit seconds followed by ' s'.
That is 2 h 24 min
